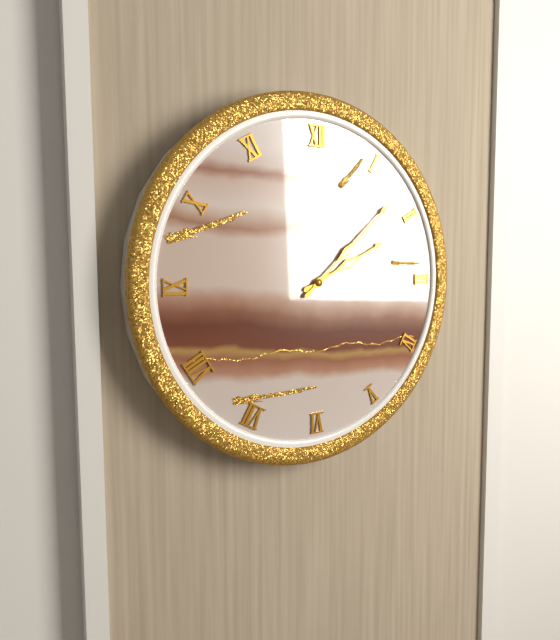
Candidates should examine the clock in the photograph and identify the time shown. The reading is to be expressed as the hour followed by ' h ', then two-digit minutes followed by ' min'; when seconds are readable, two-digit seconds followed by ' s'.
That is 2 h 08 min
